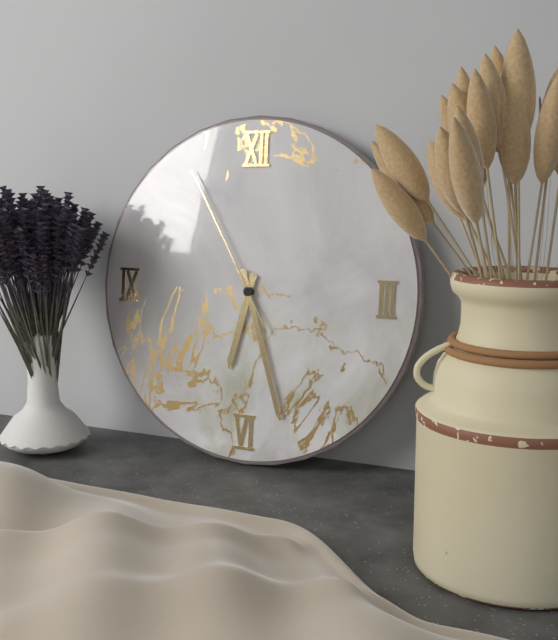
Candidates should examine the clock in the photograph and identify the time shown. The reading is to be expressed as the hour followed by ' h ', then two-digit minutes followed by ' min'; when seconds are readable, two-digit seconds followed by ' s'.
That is 6 h 27 min 55 s
